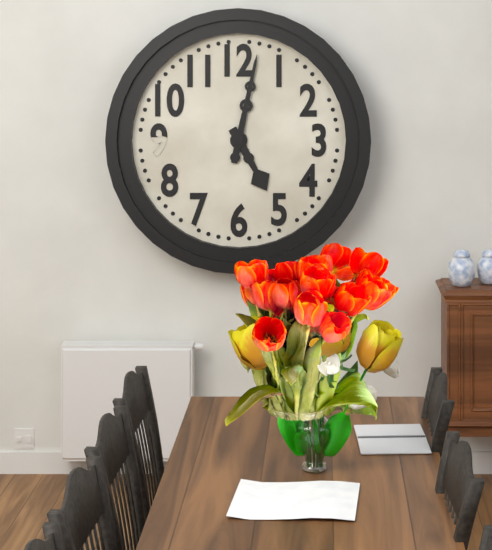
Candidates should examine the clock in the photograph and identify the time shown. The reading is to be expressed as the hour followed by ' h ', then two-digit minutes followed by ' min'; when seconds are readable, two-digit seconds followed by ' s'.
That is 5 h 02 min
